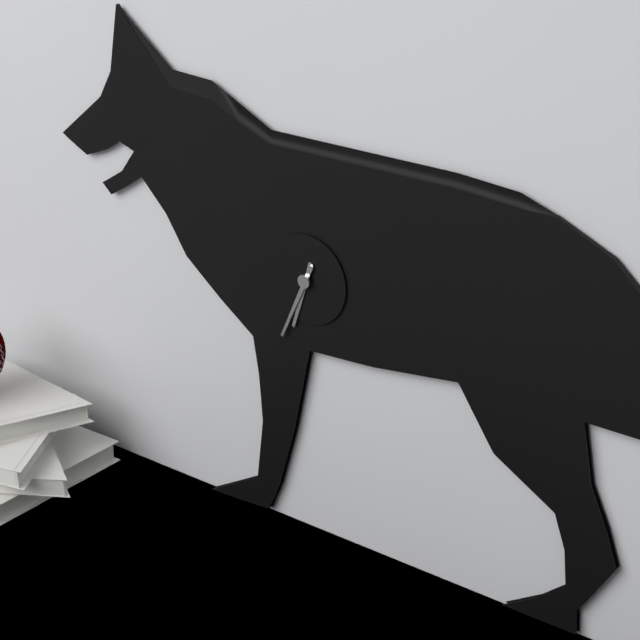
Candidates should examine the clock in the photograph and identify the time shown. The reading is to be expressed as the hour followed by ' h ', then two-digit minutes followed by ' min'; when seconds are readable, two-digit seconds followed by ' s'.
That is 6 h 34 min
